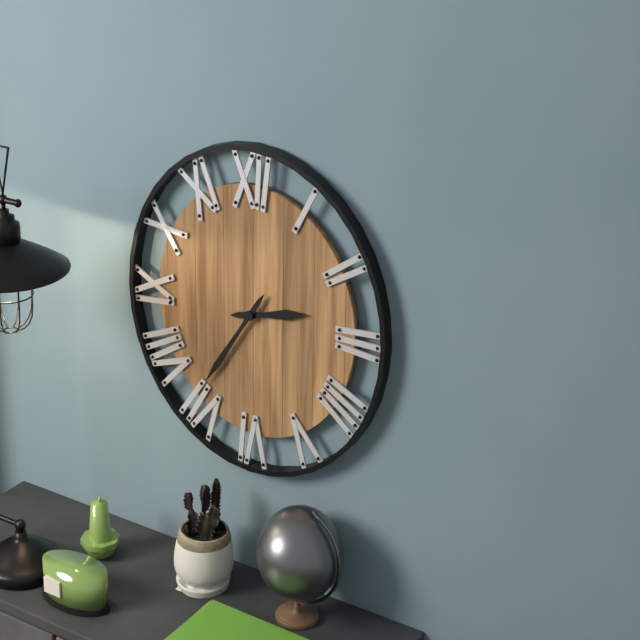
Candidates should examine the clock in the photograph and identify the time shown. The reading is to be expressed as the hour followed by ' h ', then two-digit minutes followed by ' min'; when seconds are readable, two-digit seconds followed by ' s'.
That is 2 h 36 min
